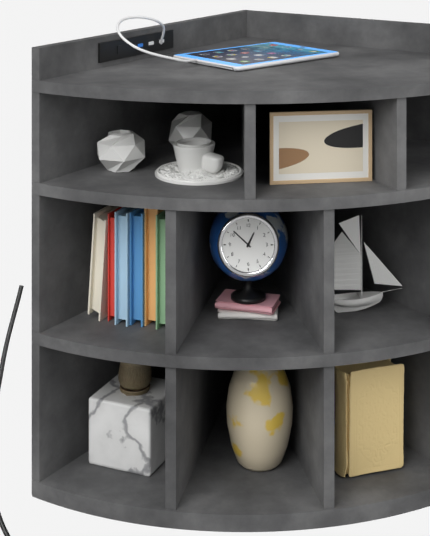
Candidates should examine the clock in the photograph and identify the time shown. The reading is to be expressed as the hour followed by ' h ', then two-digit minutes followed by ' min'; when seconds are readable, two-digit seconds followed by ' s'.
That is 12 h 52 min
